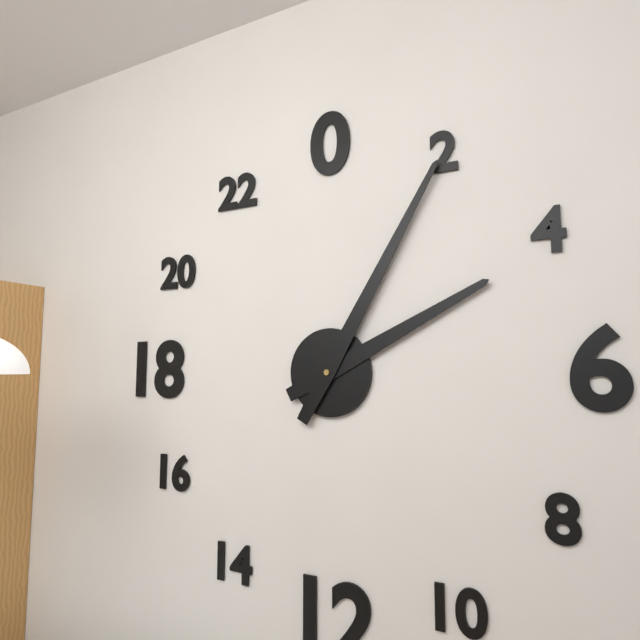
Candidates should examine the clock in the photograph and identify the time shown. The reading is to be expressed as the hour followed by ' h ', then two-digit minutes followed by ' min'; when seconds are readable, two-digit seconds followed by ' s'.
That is 2 h 05 min
